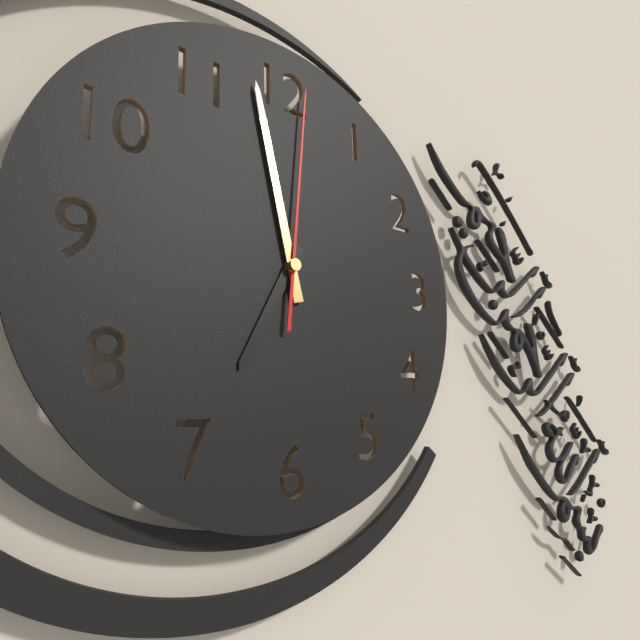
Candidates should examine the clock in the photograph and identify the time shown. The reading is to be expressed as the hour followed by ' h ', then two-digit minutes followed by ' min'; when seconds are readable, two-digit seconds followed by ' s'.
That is 6 h 58 min 01 s
